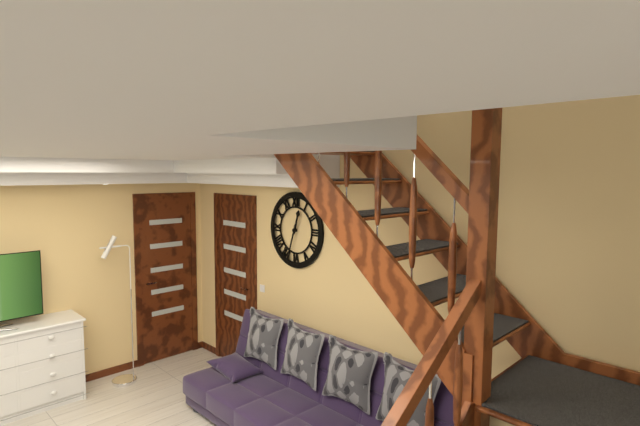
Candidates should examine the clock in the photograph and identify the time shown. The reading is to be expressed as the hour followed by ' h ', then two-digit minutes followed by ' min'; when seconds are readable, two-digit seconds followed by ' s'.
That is 12 h 33 min
